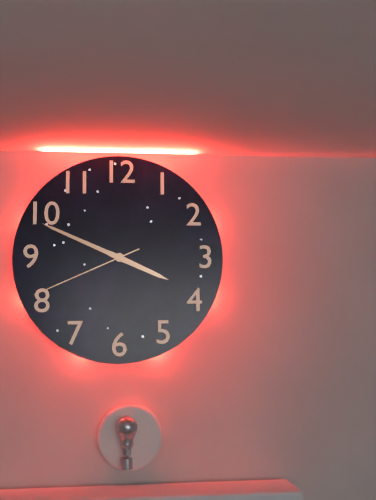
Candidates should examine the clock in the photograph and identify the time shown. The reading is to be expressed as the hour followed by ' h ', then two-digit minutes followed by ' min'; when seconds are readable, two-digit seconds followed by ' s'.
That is 3 h 49 min 41 s
